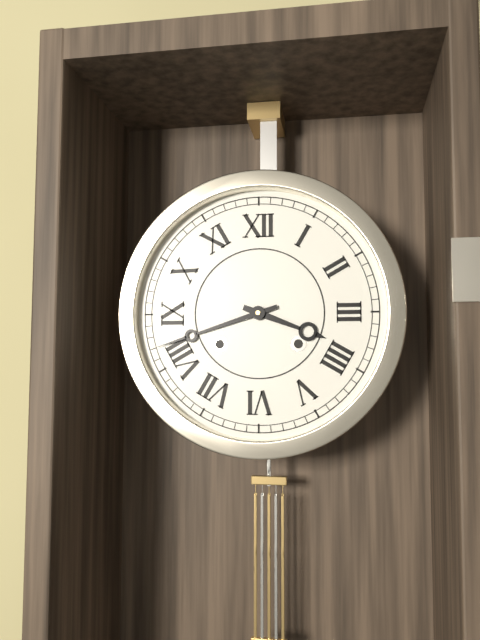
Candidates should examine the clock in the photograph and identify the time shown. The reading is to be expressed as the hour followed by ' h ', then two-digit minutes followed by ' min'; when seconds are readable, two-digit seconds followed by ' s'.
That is 3 h 42 min
